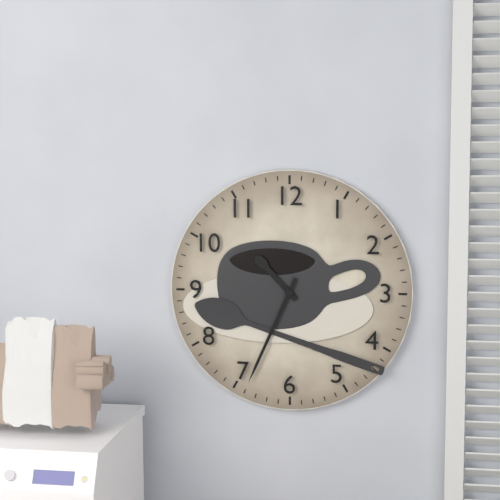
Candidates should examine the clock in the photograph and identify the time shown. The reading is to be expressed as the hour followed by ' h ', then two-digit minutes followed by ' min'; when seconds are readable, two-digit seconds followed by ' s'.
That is 10 h 34 min
